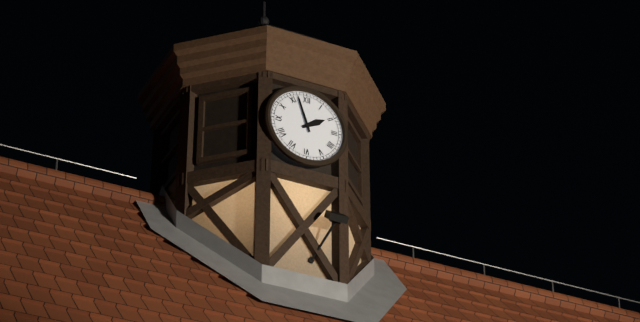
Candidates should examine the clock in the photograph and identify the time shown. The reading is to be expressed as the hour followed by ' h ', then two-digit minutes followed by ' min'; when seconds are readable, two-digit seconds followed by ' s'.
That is 1 h 57 min
